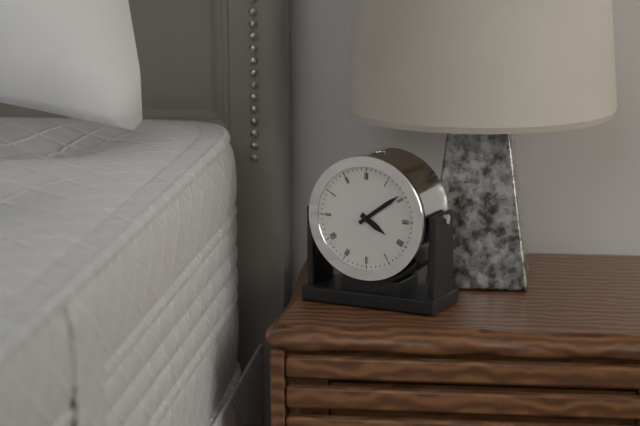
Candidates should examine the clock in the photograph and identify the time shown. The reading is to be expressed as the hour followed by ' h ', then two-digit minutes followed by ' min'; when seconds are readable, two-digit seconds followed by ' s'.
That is 4 h 09 min
